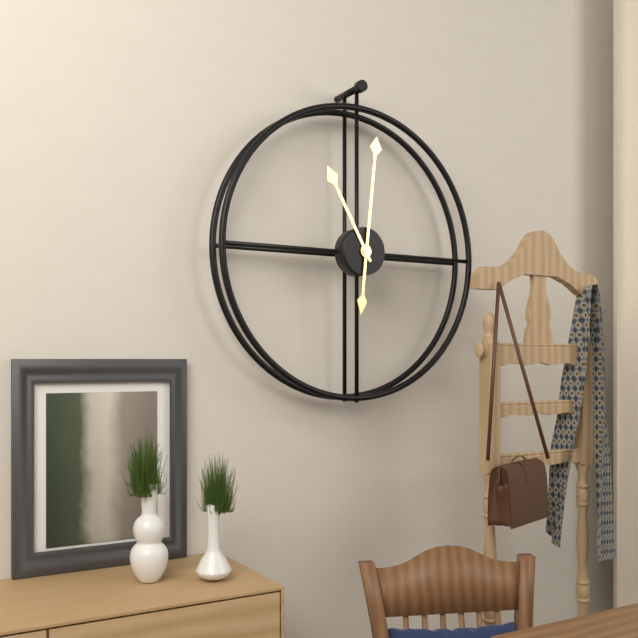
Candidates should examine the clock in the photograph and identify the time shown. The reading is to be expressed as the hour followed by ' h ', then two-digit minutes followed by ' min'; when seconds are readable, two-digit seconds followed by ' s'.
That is 11 h 01 min
